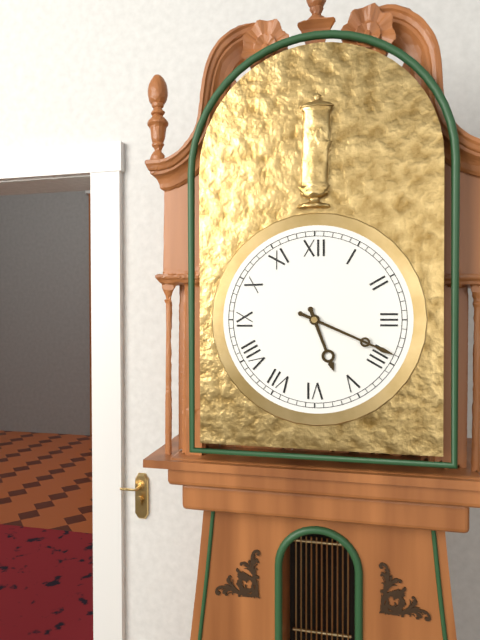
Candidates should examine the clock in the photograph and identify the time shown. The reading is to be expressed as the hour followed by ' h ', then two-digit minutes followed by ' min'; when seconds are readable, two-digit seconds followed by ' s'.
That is 5 h 19 min
